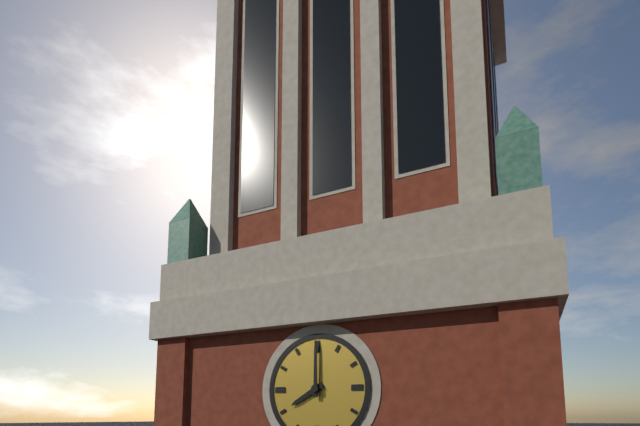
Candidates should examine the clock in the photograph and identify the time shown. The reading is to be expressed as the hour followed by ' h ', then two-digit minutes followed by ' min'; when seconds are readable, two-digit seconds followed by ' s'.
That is 8 h 00 min
